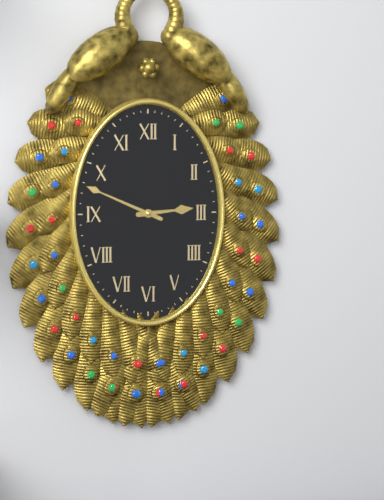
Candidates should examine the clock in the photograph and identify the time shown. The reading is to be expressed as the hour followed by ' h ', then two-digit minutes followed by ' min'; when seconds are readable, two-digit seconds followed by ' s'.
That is 2 h 49 min
